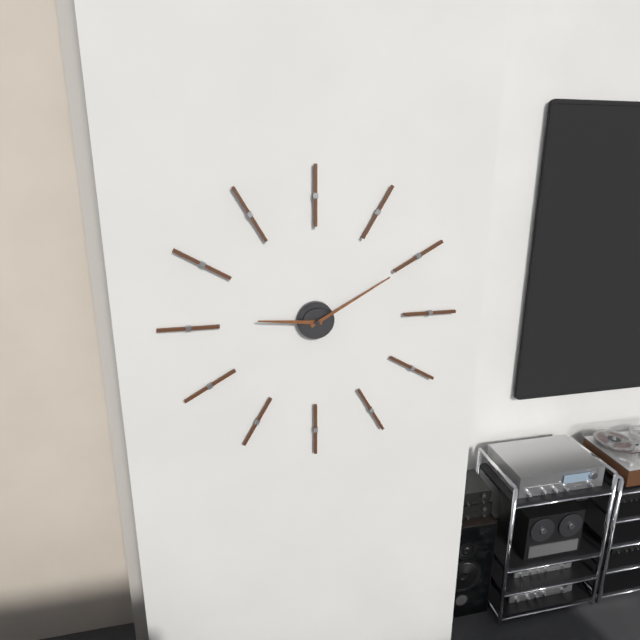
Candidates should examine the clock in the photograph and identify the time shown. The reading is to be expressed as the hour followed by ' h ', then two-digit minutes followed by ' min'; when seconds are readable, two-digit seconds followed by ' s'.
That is 9 h 10 min
